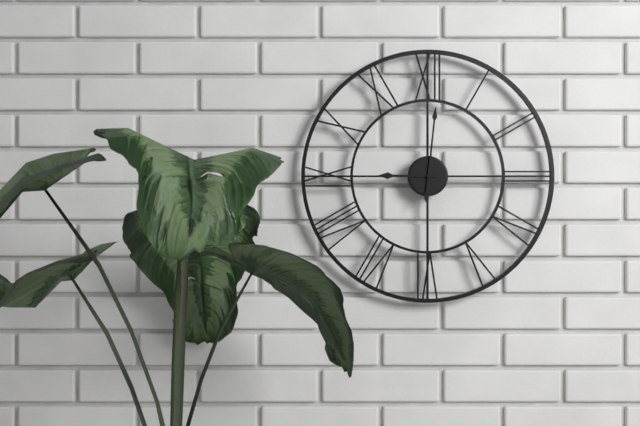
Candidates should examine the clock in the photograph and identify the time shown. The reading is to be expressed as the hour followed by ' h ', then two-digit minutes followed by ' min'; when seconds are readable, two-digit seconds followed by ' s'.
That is 9 h 01 min
